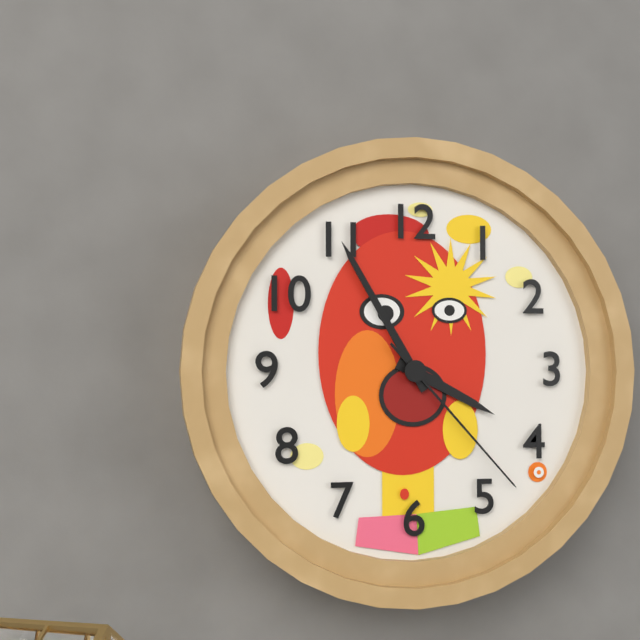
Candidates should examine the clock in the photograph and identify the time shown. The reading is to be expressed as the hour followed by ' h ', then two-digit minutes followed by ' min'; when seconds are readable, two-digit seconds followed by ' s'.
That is 3 h 55 min 23 s
